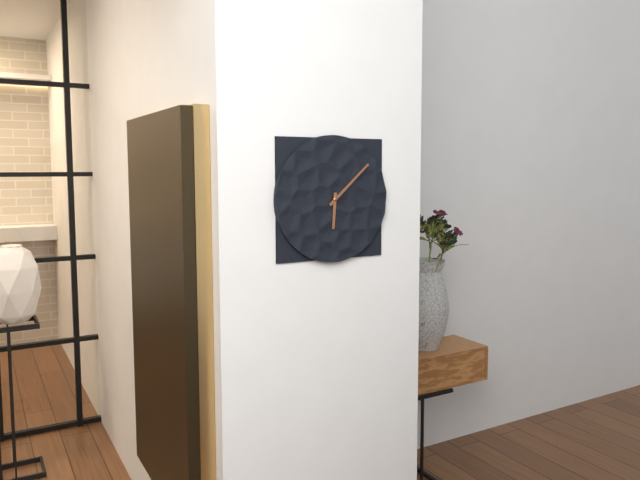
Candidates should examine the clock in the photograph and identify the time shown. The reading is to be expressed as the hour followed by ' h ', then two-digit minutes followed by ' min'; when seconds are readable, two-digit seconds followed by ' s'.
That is 6 h 08 min
